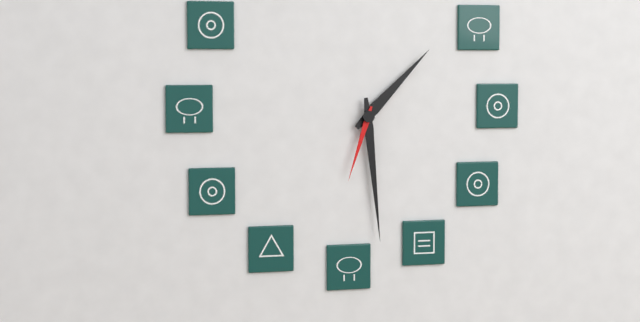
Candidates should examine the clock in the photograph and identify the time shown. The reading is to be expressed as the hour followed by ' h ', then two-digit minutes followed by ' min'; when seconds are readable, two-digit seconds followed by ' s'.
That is 1 h 29 min 33 s
